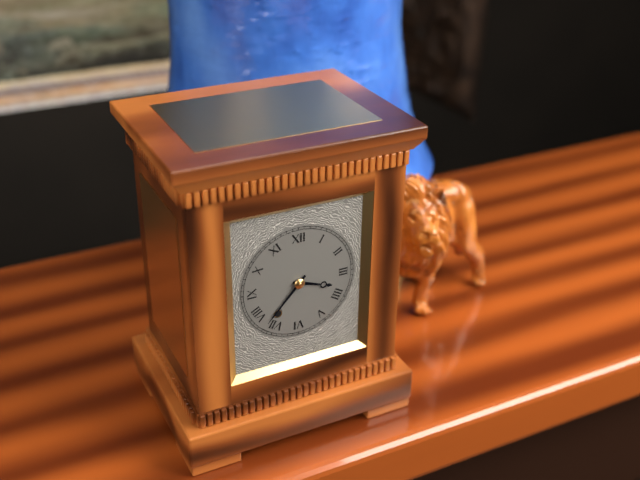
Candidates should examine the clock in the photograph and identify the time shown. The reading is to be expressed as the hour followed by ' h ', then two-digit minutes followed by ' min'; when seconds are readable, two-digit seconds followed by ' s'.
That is 3 h 37 min
